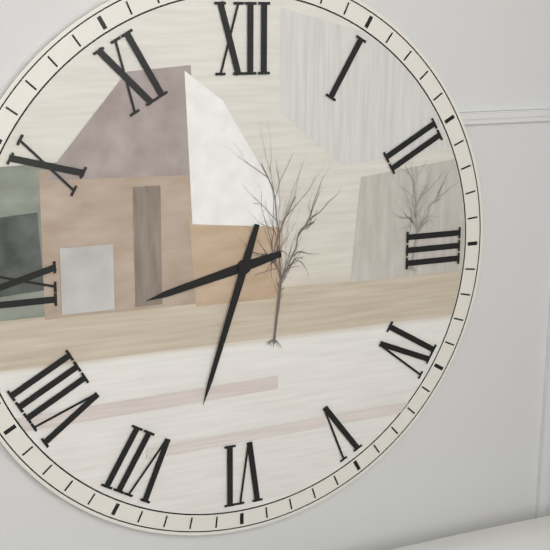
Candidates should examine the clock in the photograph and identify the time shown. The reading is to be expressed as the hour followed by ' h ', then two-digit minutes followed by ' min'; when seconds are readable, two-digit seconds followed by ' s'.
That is 8 h 33 min
